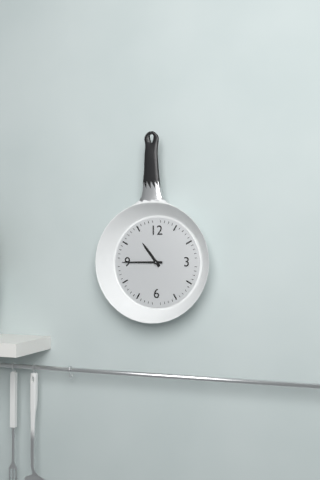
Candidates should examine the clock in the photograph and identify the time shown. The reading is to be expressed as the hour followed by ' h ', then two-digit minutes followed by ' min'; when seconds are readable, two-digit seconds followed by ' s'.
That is 10 h 45 min
